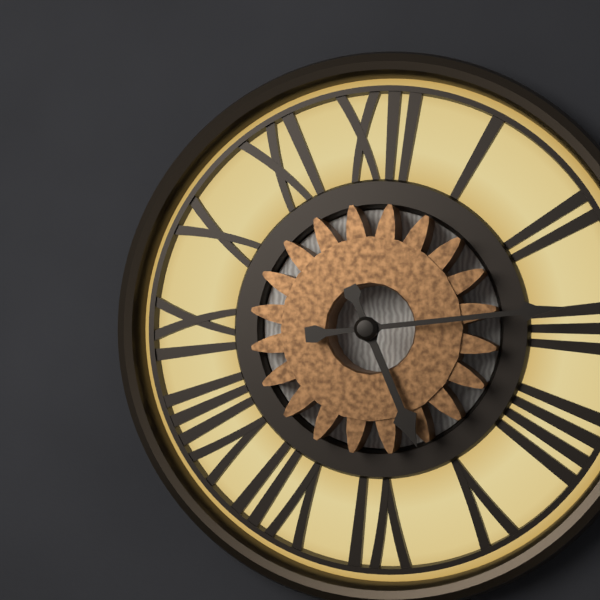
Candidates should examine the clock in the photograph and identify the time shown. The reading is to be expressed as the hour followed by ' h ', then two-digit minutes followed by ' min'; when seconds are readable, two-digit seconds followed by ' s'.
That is 5 h 14 min
